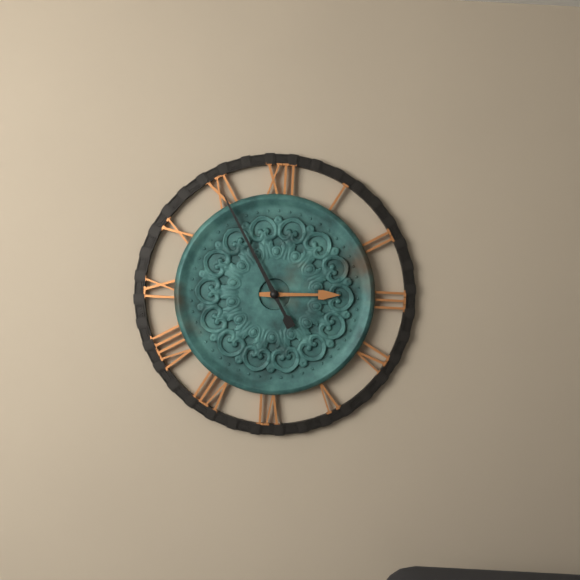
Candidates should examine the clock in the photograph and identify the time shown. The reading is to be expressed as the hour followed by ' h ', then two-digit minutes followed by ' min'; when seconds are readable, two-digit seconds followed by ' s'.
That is 2 h 55 min
